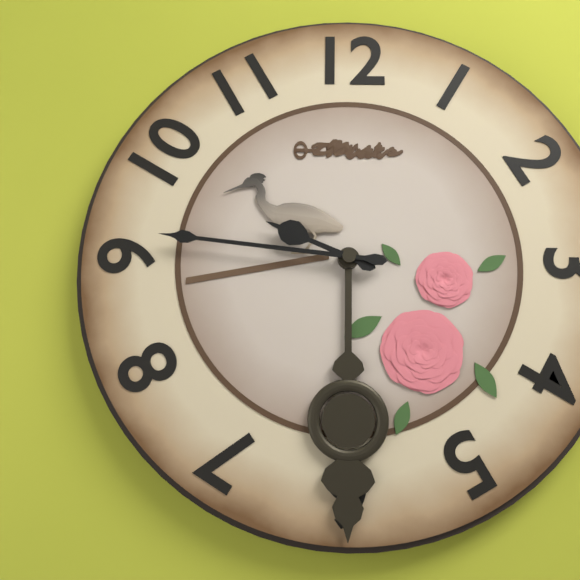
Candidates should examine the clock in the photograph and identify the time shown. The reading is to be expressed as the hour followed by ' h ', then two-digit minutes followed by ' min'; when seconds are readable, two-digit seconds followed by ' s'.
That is 9 h 46 min
